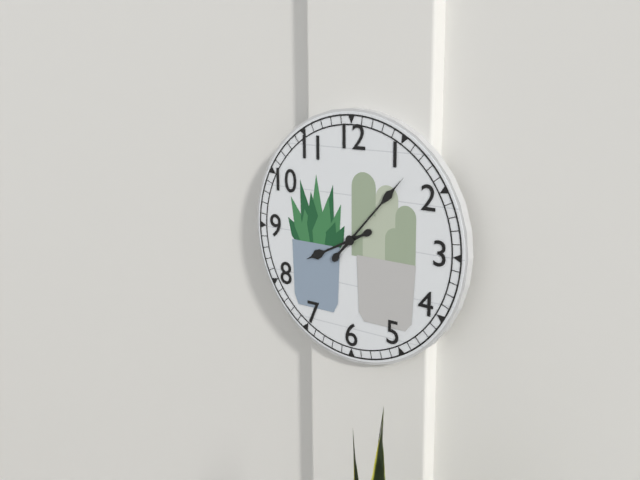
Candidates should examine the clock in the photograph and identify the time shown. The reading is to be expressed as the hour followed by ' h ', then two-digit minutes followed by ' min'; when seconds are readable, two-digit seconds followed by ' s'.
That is 8 h 07 min
